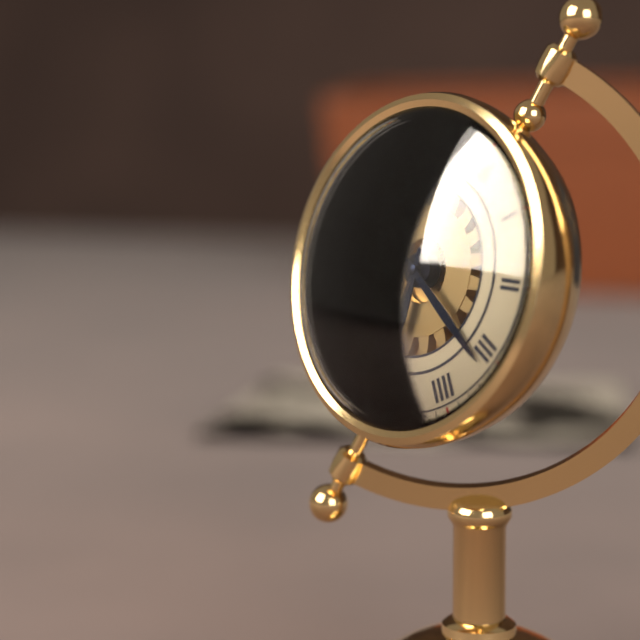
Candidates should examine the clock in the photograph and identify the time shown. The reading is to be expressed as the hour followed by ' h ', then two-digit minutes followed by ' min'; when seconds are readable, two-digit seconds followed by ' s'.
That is 5 h 16 min
